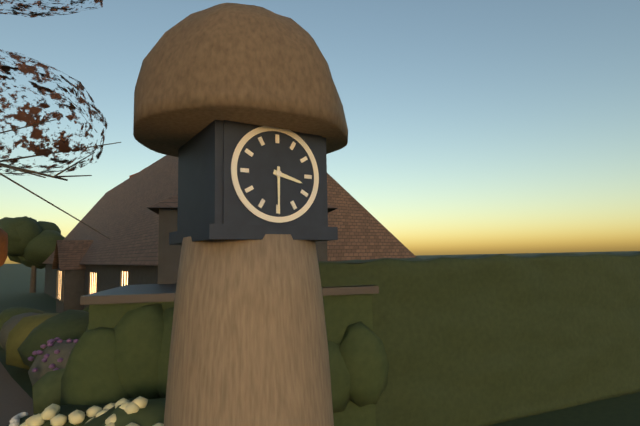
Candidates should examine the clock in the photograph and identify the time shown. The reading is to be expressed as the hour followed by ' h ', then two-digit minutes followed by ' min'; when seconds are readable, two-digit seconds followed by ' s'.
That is 3 h 30 min
